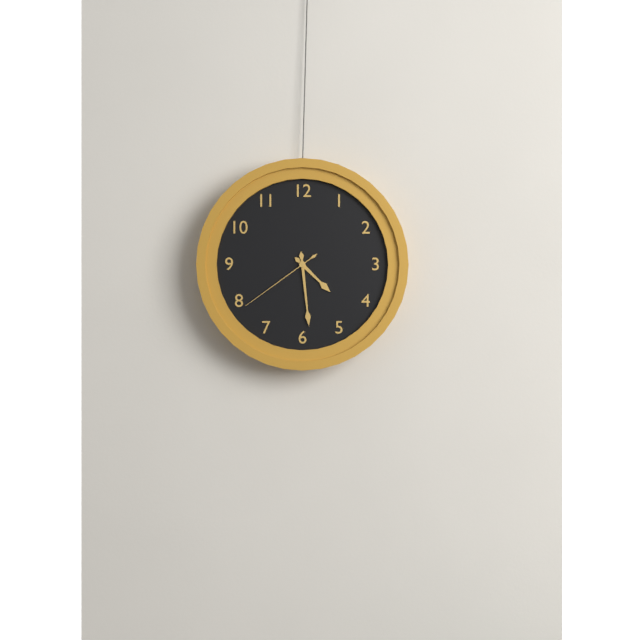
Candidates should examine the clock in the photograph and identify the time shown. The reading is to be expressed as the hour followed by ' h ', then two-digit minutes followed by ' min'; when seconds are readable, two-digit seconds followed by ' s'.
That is 4 h 29 min 39 s
